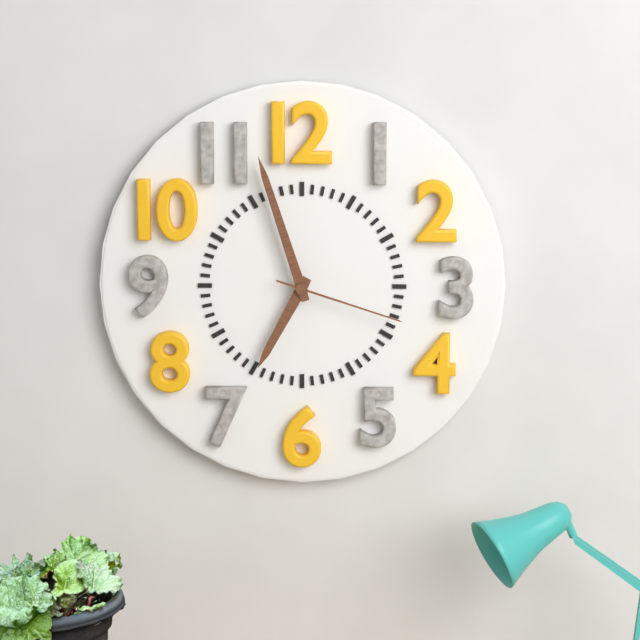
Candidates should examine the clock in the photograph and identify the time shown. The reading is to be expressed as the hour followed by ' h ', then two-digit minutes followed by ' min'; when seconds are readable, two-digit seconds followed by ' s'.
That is 6 h 57 min 18 s
